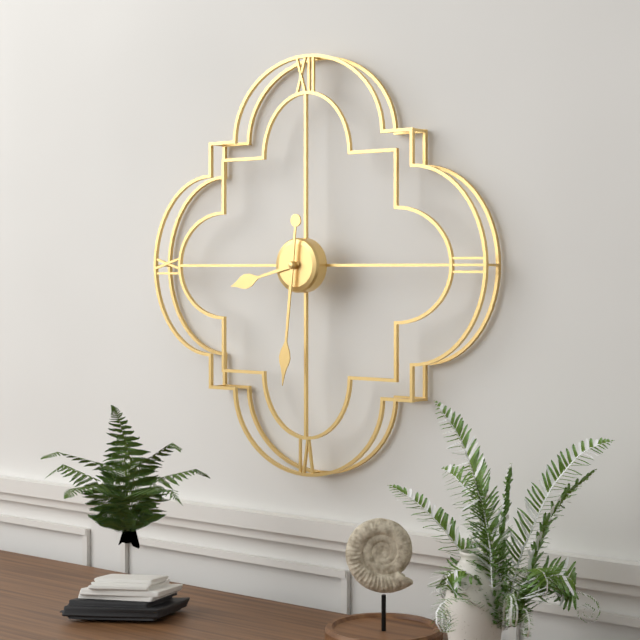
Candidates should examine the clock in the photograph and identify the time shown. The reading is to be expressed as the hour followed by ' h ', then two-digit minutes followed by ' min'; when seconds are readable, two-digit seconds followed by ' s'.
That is 8 h 31 min
